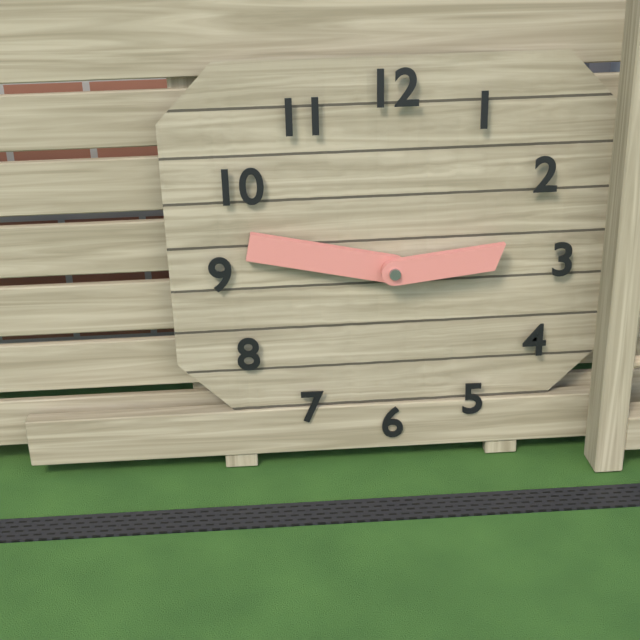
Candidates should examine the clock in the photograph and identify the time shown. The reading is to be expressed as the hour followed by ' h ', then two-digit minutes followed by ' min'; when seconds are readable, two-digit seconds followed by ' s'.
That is 2 h 47 min
